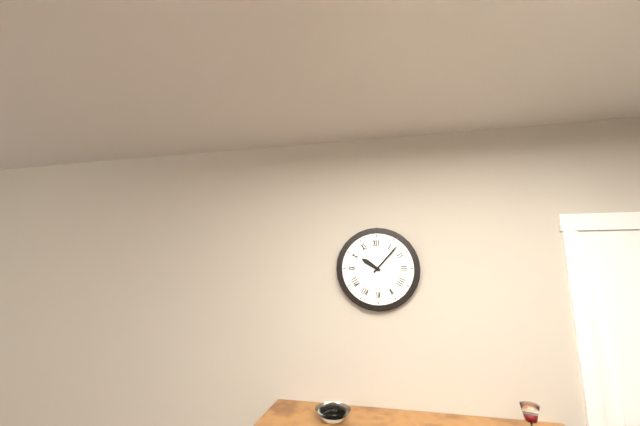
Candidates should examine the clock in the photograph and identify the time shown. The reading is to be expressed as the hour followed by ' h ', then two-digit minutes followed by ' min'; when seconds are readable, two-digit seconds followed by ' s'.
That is 10 h 07 min
